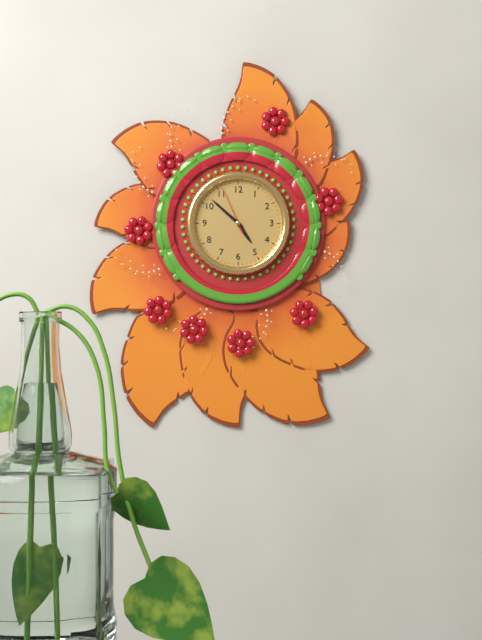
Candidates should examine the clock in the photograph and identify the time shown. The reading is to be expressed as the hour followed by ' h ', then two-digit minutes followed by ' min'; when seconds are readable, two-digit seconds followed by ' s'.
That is 4 h 52 min
